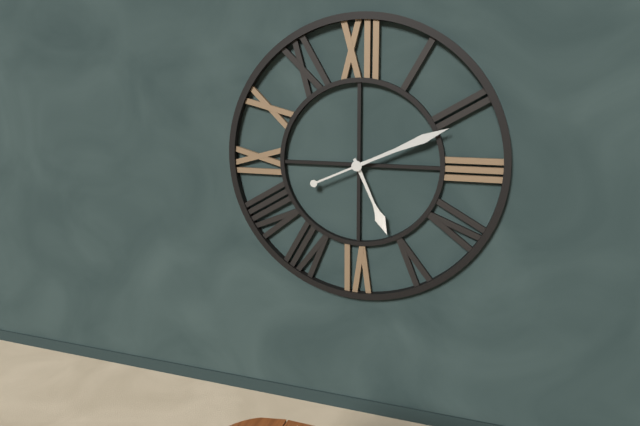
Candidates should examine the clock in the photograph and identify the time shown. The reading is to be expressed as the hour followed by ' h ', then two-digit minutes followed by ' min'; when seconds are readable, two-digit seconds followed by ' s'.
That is 5 h 11 min
